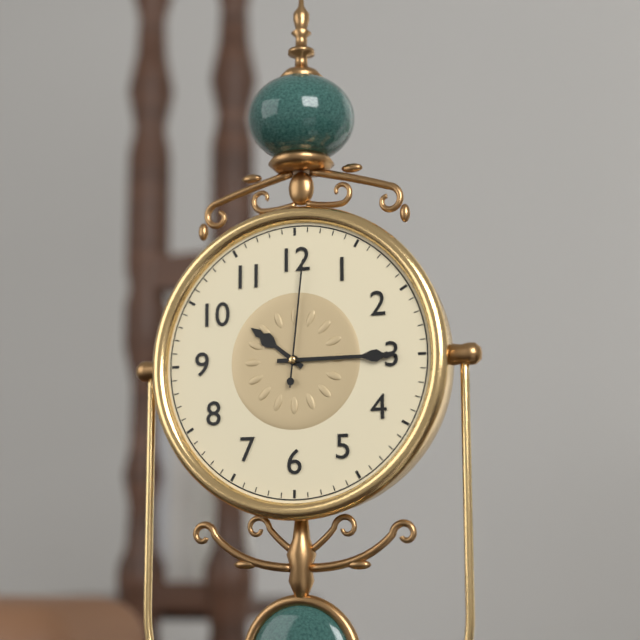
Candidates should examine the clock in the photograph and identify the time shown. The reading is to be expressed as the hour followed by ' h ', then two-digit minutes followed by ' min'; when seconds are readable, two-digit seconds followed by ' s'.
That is 10 h 15 min 01 s
